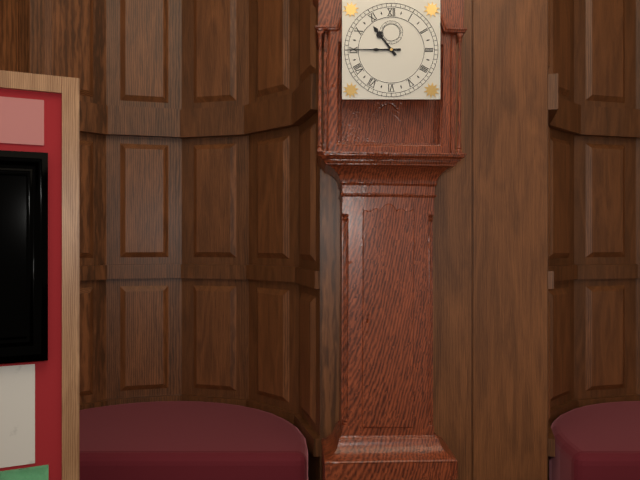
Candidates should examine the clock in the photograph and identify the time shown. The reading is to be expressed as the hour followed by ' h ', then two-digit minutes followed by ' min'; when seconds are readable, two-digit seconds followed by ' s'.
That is 10 h 45 min
